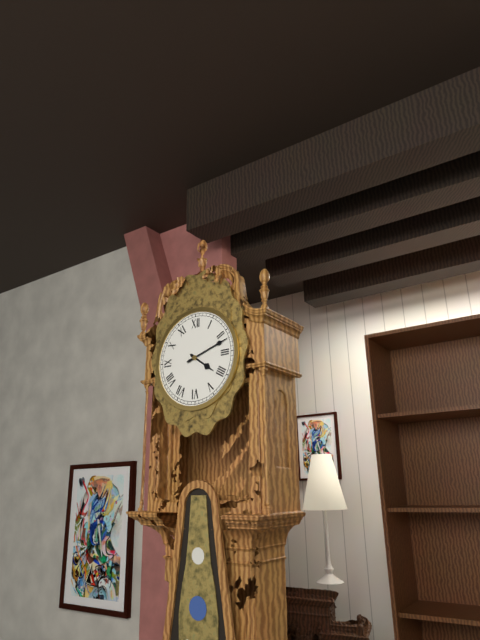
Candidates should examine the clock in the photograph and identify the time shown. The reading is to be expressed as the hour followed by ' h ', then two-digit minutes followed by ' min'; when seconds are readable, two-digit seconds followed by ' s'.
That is 4 h 12 min
